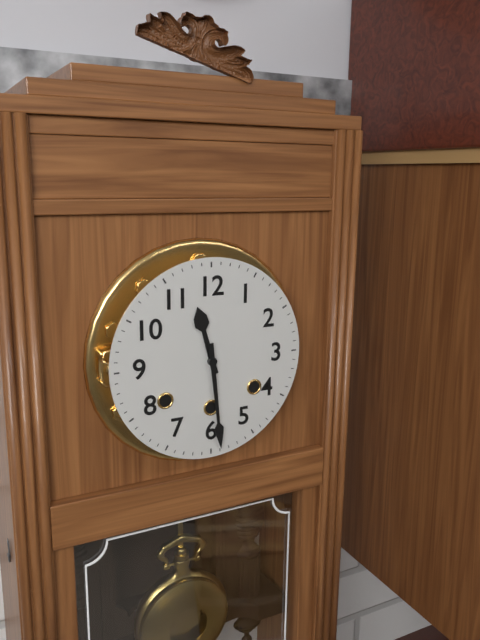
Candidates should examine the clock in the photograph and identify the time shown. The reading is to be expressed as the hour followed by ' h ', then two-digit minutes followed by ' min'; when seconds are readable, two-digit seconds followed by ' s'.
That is 11 h 29 min
